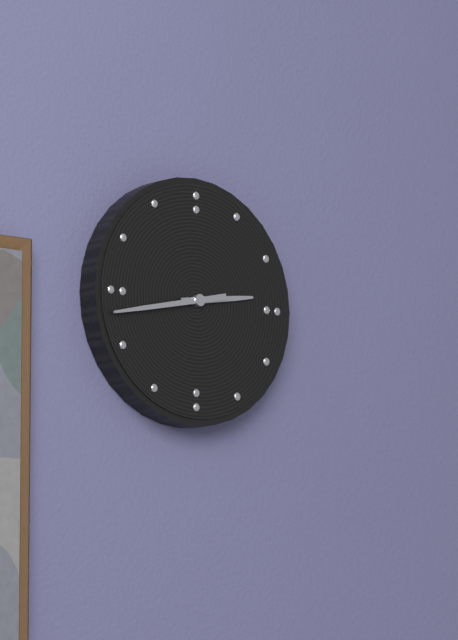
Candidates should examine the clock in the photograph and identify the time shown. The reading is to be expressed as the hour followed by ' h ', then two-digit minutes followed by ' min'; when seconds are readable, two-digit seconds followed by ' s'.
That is 2 h 43 min
